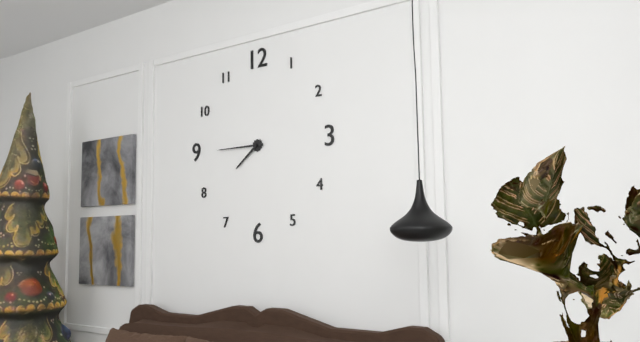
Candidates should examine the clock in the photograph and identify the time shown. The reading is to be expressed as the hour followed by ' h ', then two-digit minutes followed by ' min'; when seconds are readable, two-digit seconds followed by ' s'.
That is 7 h 45 min
